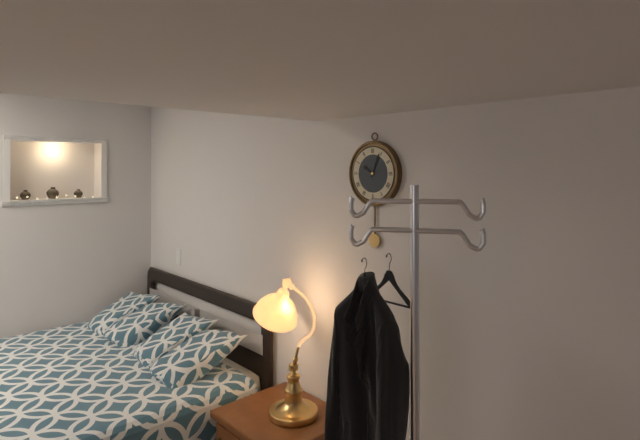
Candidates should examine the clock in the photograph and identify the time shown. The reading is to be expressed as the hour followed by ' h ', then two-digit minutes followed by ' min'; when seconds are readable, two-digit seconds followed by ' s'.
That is 10 h 04 min
